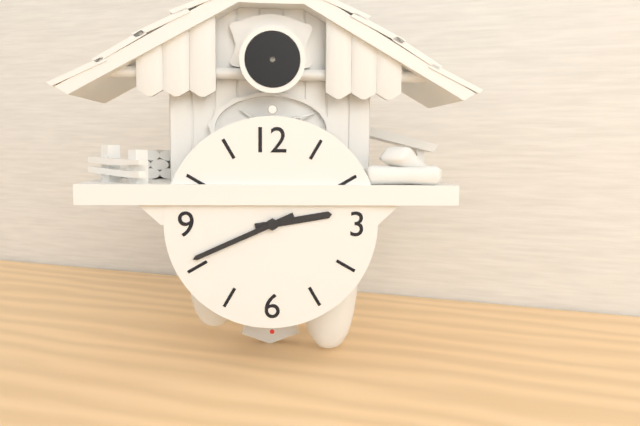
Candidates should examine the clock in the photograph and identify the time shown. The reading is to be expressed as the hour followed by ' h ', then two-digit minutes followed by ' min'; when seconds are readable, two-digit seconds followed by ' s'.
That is 2 h 41 min
